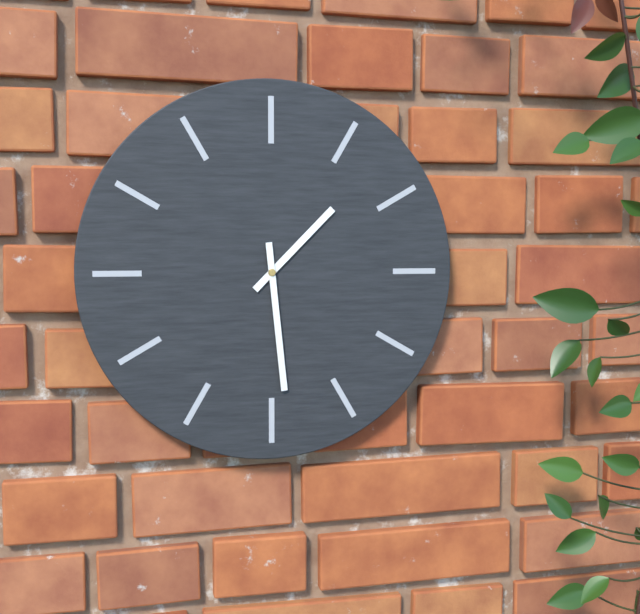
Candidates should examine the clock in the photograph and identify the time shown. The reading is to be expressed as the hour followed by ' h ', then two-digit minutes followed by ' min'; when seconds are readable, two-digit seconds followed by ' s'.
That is 1 h 29 min
